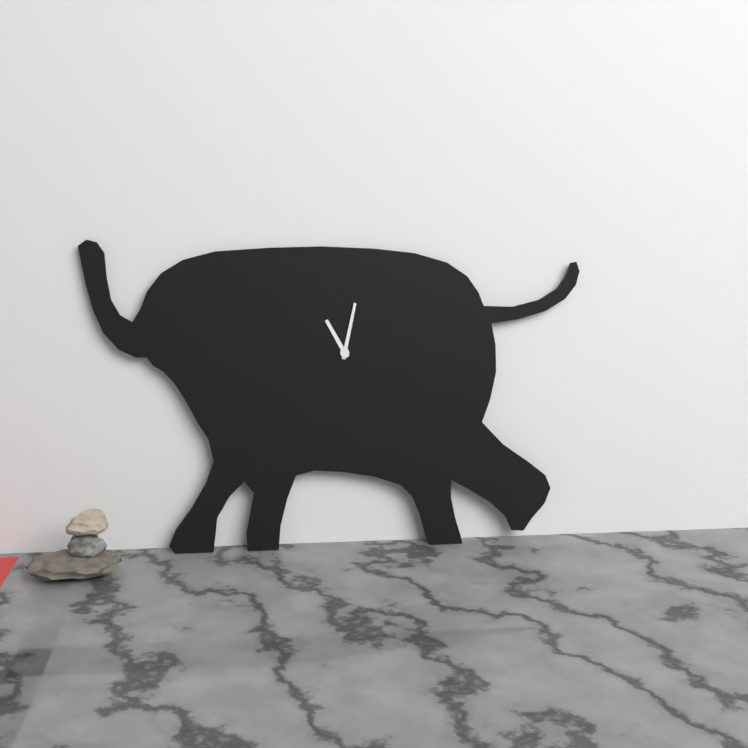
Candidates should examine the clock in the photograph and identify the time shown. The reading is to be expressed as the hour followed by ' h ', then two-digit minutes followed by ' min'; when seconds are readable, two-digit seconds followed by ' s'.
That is 11 h 02 min
